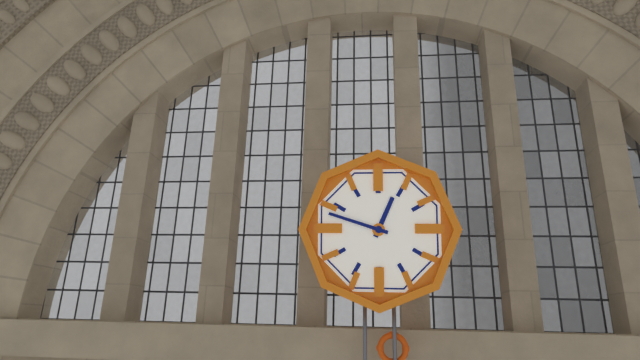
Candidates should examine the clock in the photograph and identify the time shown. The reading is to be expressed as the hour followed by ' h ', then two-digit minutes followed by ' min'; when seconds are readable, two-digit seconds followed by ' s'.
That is 12 h 48 min
